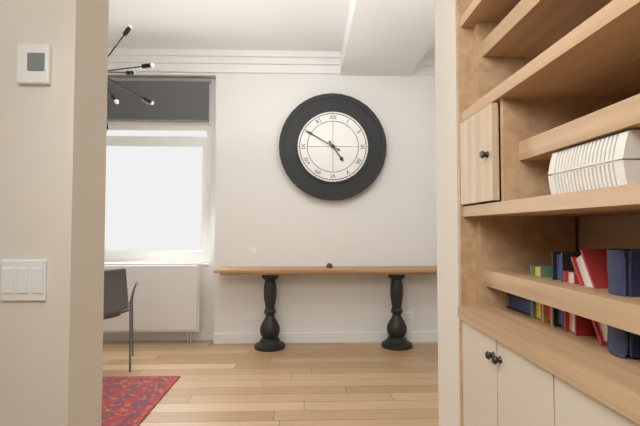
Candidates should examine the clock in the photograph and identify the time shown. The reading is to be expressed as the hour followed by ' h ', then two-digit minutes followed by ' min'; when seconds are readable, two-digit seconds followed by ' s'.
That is 4 h 50 min
